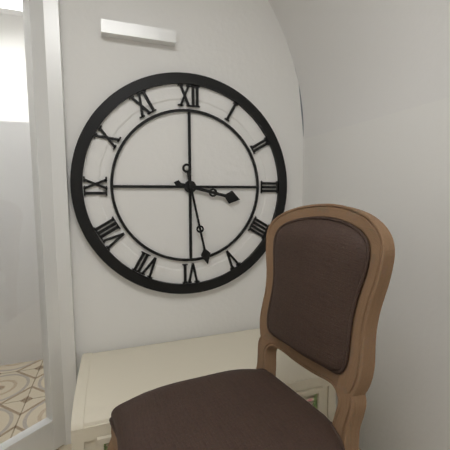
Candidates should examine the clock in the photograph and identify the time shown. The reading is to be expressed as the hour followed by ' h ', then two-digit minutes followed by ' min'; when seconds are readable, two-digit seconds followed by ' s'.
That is 3 h 28 min
